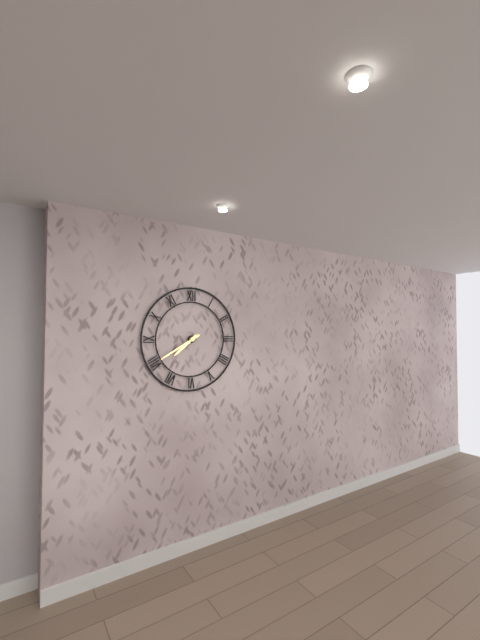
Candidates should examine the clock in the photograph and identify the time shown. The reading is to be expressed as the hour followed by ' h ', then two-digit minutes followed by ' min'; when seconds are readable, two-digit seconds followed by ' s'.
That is 7 h 40 min
